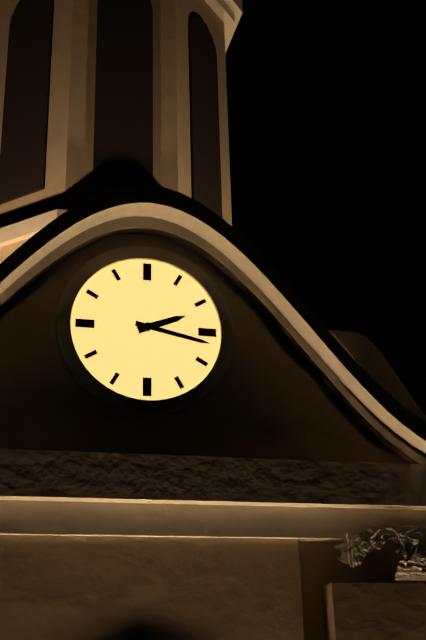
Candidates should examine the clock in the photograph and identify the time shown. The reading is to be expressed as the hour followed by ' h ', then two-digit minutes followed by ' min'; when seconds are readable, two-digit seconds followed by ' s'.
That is 2 h 17 min
